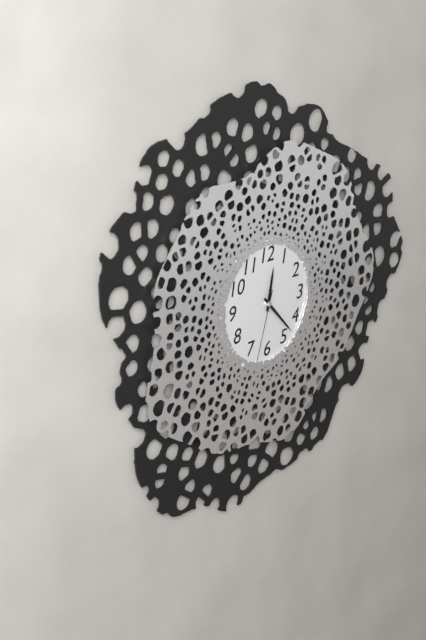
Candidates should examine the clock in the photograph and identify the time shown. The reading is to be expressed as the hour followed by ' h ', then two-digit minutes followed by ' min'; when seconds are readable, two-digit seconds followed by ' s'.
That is 12 h 23 min 33 s
